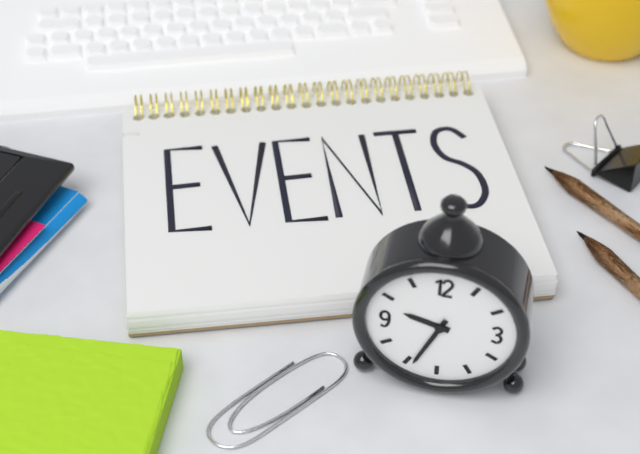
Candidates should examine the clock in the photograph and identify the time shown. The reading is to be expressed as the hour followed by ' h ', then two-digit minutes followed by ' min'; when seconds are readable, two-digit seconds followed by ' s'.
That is 9 h 34 min
